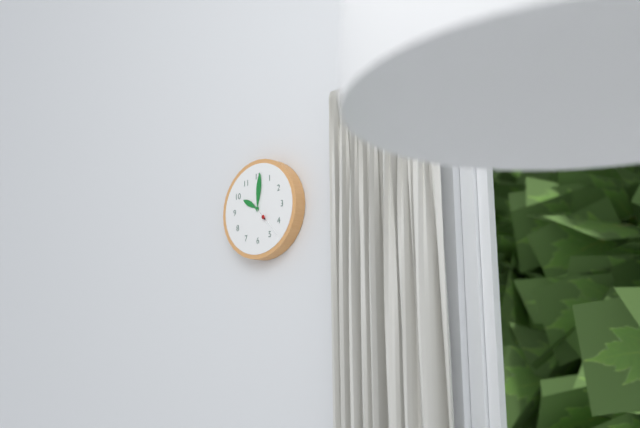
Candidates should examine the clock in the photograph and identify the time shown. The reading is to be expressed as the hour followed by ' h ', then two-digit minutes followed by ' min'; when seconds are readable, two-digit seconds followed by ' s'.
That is 10 h 01 min
